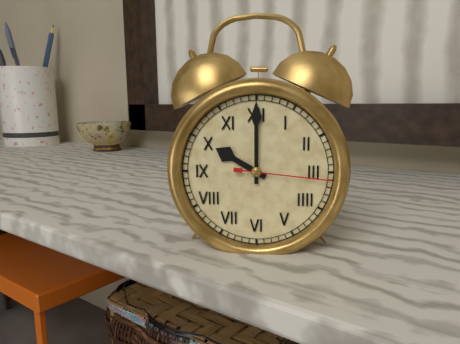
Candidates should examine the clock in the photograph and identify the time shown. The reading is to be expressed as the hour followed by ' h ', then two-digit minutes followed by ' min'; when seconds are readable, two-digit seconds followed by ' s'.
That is 10 h 00 min 16 s
